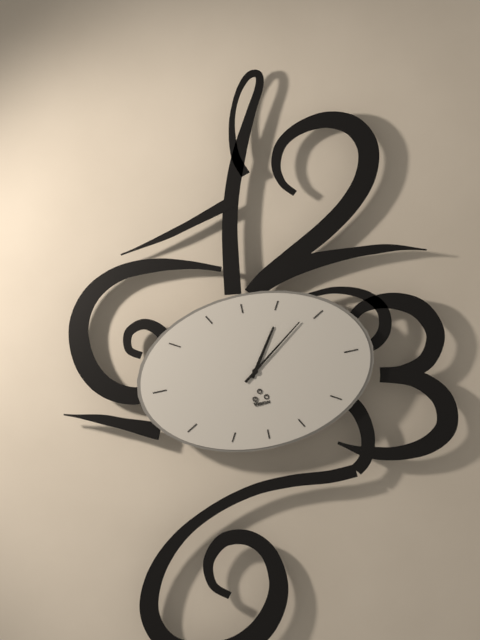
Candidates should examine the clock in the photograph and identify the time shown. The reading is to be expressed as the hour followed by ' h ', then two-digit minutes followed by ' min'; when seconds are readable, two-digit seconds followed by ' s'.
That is 1 h 09 min
